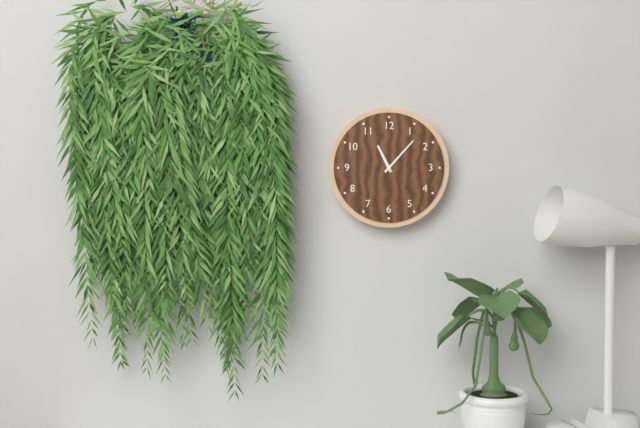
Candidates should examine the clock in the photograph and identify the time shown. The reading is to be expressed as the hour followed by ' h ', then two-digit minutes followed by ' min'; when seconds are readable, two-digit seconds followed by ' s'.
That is 11 h 07 min
